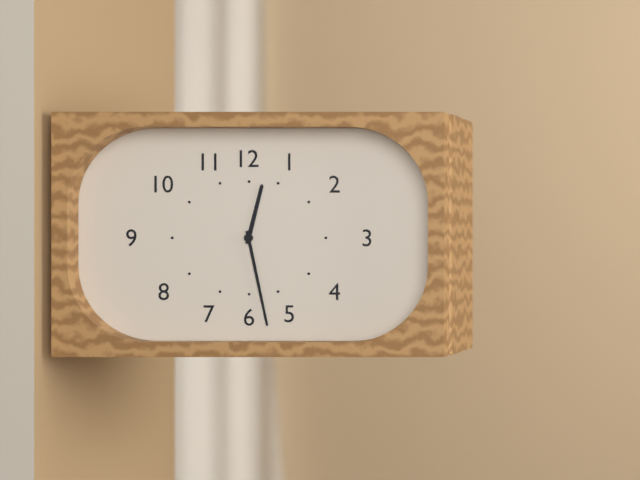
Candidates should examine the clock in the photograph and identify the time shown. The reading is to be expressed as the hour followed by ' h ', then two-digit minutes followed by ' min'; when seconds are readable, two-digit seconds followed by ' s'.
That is 12 h 28 min
